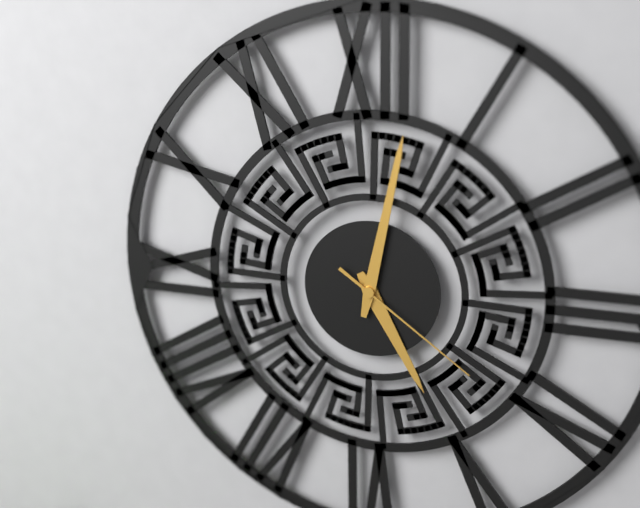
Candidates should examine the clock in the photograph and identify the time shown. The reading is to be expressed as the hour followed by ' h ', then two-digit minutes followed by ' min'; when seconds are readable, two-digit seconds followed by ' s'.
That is 5 h 02 min 21 s
